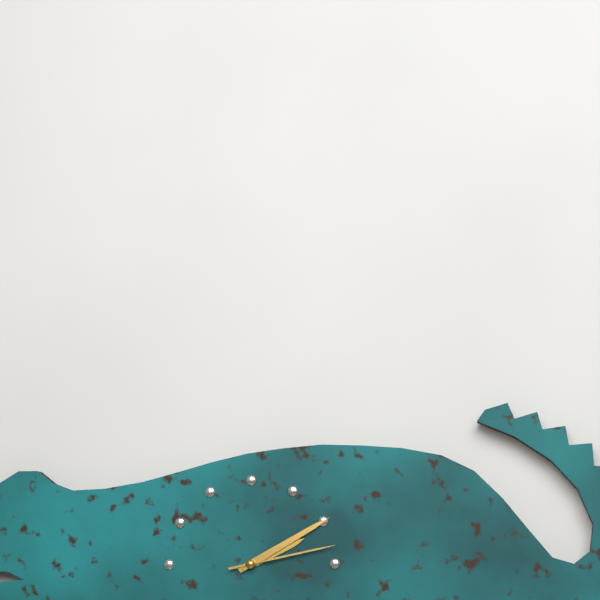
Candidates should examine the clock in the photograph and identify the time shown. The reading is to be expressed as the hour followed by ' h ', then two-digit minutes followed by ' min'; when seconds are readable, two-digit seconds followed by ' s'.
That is 2 h 10 min 13 s
